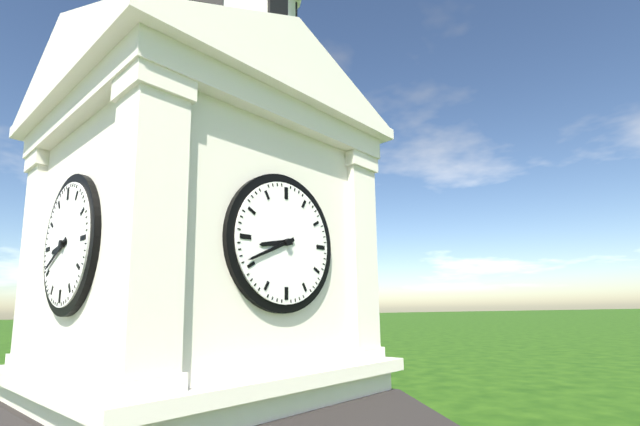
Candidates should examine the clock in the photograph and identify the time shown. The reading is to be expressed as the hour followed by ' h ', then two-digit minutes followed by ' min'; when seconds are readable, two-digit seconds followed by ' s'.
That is 8 h 41 min
